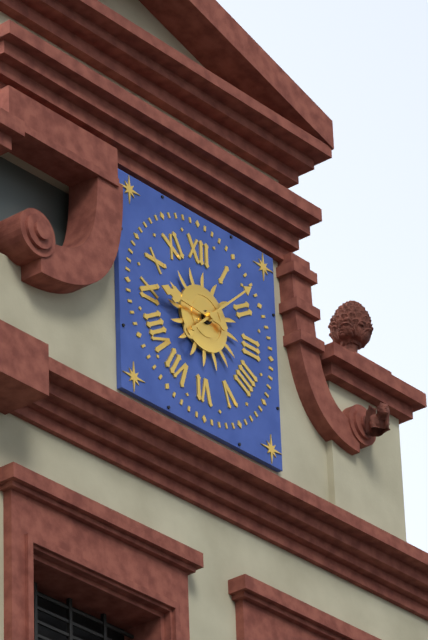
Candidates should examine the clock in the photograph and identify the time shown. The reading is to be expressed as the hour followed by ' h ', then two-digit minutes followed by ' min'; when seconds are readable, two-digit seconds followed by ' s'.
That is 9 h 08 min
